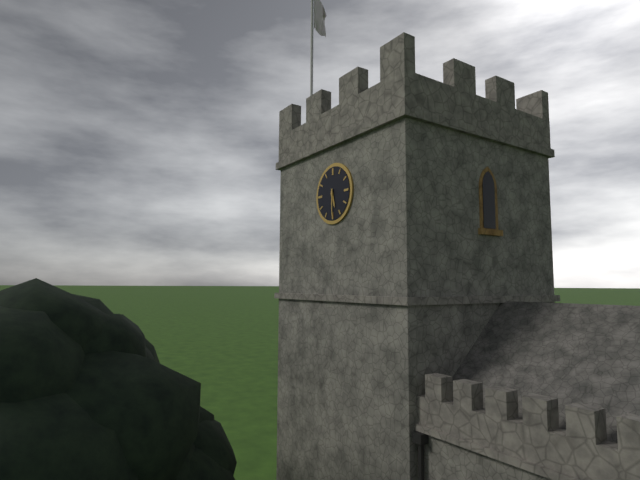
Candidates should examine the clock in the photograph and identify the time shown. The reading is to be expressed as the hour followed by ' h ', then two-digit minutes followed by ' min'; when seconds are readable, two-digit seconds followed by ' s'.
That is 5 h 30 min
